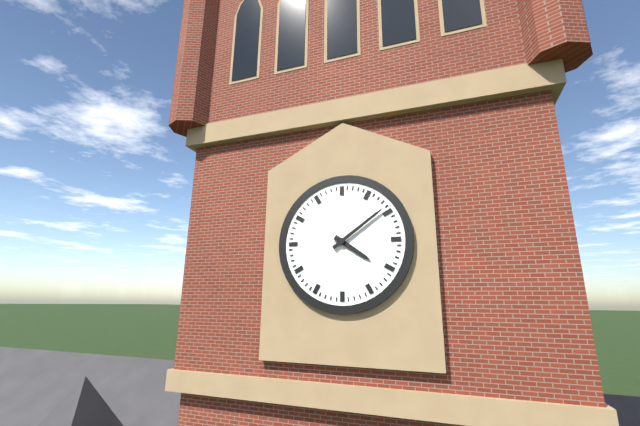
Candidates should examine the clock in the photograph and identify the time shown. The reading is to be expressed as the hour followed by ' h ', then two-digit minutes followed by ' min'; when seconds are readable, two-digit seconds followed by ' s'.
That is 4 h 09 min
